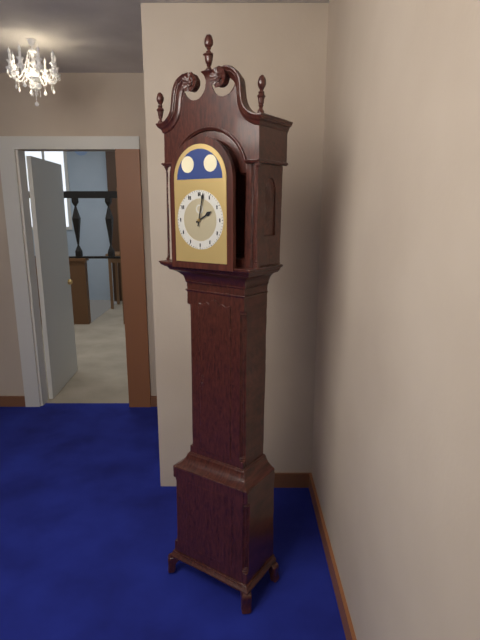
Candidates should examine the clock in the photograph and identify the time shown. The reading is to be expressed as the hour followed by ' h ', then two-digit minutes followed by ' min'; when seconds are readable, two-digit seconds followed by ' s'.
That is 2 h 02 min
